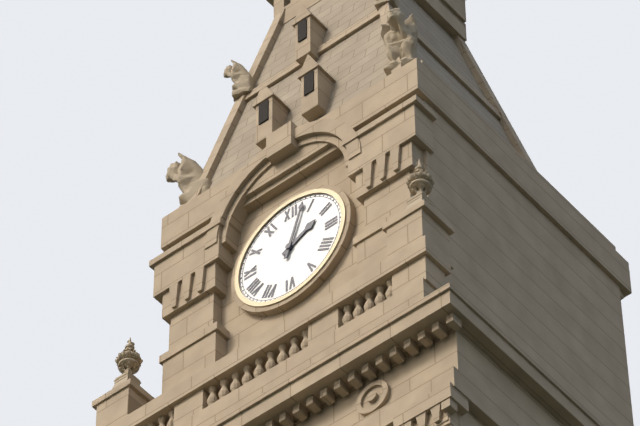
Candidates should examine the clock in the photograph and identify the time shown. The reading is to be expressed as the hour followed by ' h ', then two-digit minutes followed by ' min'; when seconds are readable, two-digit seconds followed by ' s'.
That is 2 h 03 min
